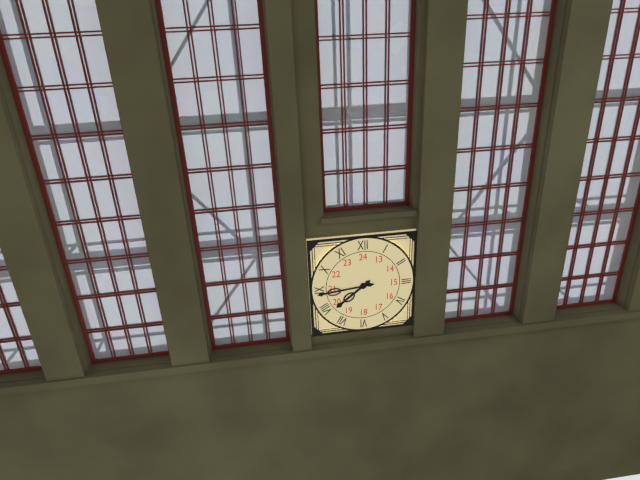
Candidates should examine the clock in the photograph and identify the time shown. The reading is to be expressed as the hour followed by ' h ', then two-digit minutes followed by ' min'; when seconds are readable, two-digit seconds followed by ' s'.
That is 7 h 44 min
